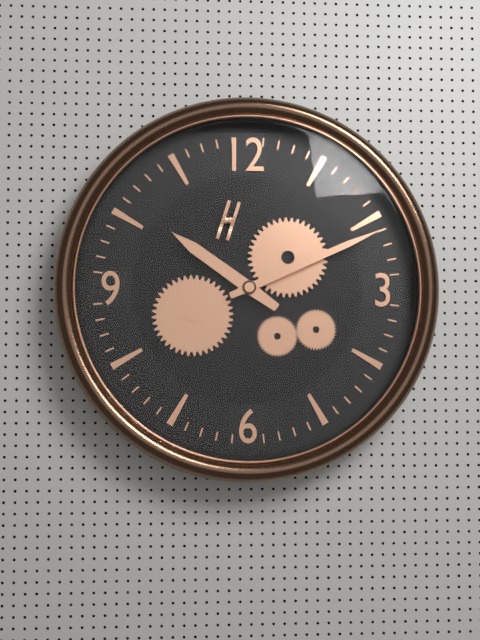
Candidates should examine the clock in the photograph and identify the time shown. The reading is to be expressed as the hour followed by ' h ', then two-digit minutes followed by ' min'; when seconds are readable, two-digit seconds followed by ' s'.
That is 10 h 11 min
